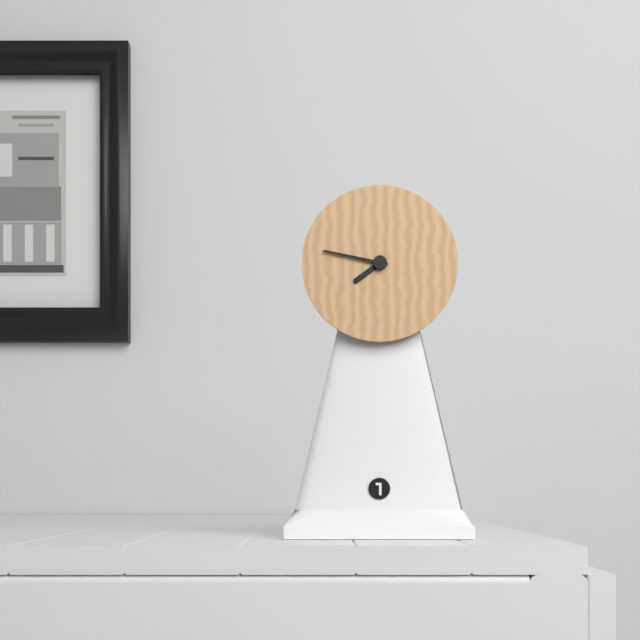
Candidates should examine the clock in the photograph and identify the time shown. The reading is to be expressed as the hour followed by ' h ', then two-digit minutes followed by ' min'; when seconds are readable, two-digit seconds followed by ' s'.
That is 7 h 47 min
